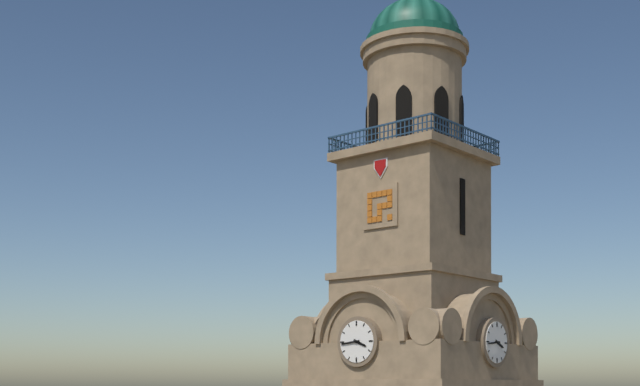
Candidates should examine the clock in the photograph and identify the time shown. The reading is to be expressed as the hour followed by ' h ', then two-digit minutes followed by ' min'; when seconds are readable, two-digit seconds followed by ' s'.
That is 3 h 44 min
